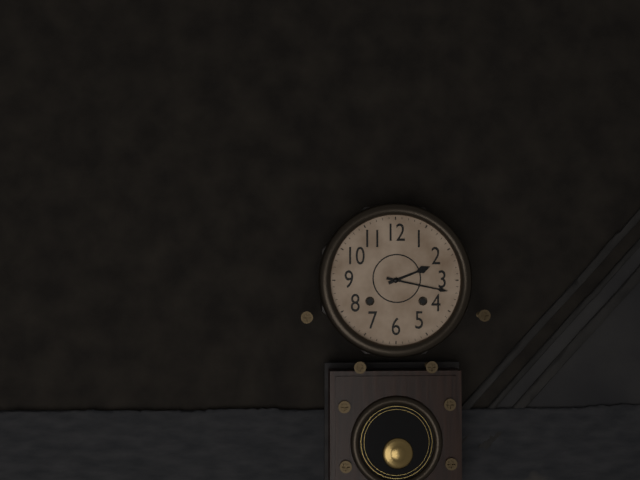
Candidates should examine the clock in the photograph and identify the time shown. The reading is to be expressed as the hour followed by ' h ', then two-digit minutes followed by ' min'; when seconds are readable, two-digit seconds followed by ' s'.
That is 2 h 17 min
